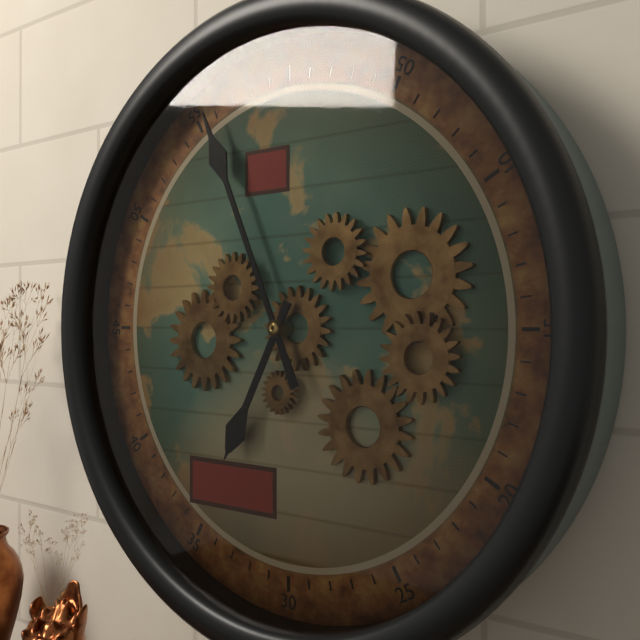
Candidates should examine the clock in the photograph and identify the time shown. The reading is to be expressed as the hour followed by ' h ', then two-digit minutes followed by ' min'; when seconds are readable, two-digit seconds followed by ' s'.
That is 6 h 56 min
